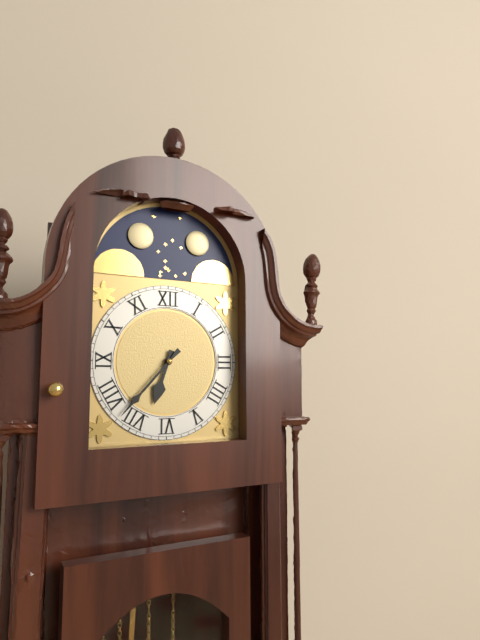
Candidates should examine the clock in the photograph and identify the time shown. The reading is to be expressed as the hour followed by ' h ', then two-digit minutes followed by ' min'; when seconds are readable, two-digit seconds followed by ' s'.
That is 6 h 37 min
